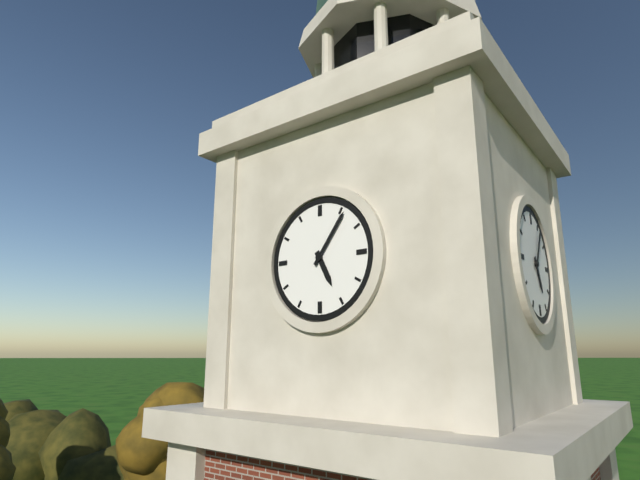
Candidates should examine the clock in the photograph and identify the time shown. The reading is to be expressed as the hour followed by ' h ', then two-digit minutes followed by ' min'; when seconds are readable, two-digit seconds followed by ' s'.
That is 5 h 06 min
